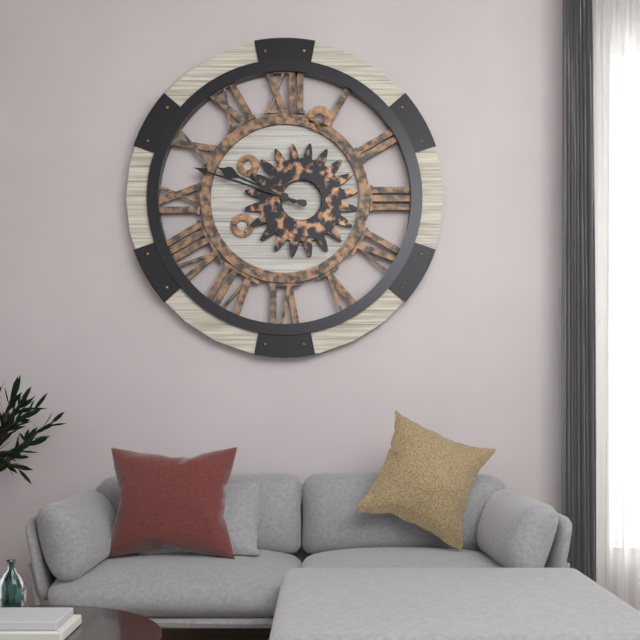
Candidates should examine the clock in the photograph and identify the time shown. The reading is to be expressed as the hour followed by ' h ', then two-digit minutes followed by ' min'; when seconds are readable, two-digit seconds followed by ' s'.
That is 9 h 48 min
